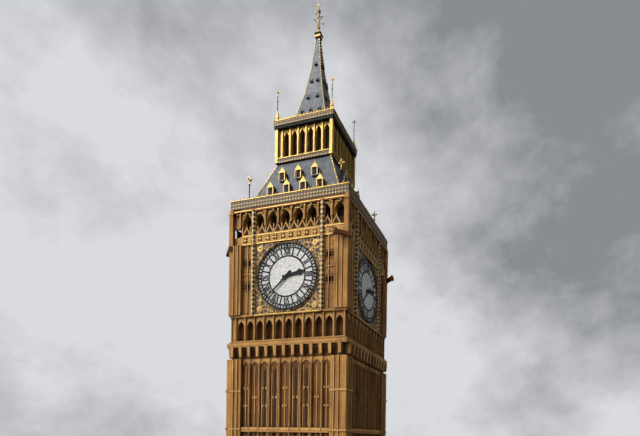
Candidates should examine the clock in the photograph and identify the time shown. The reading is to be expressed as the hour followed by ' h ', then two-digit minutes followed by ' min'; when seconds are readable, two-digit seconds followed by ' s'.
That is 2 h 38 min
